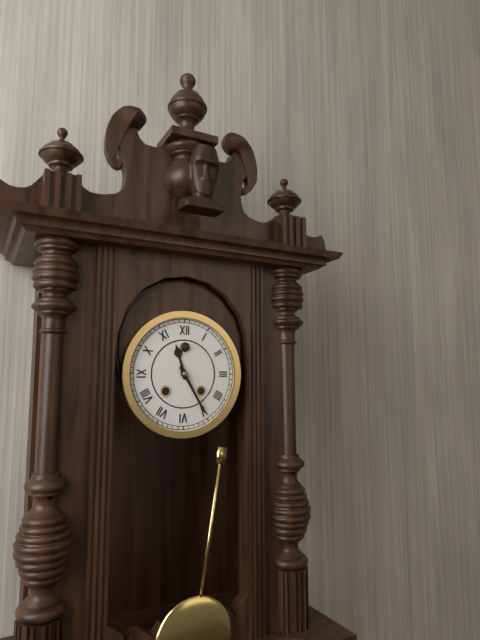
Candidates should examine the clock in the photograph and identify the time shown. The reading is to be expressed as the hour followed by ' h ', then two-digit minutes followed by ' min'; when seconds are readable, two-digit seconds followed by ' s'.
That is 11 h 25 min
